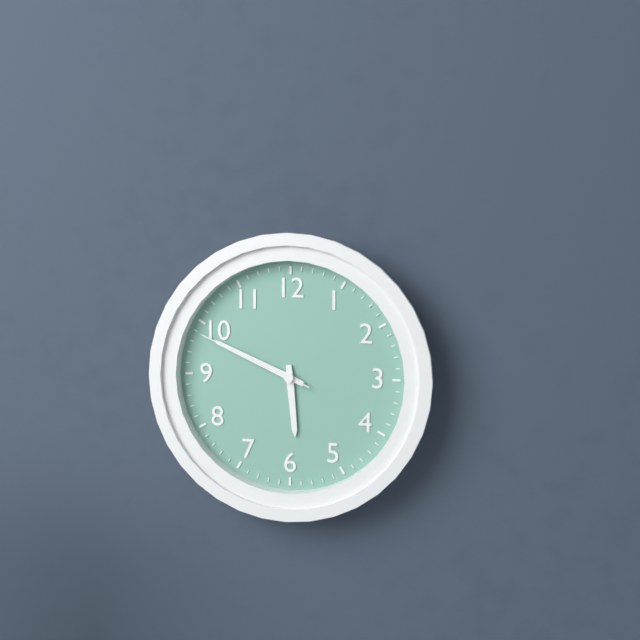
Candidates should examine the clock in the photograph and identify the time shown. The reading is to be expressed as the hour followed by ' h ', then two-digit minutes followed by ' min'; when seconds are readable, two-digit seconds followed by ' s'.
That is 5 h 49 min 49 s
